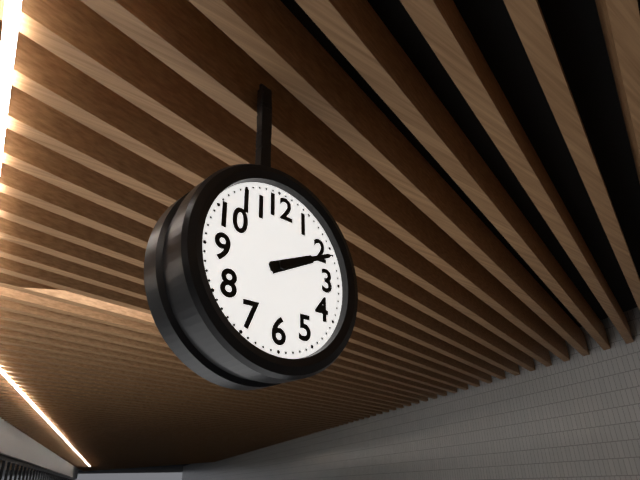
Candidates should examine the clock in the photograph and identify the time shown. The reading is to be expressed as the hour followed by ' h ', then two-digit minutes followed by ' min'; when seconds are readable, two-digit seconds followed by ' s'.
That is 2 h 11 min
